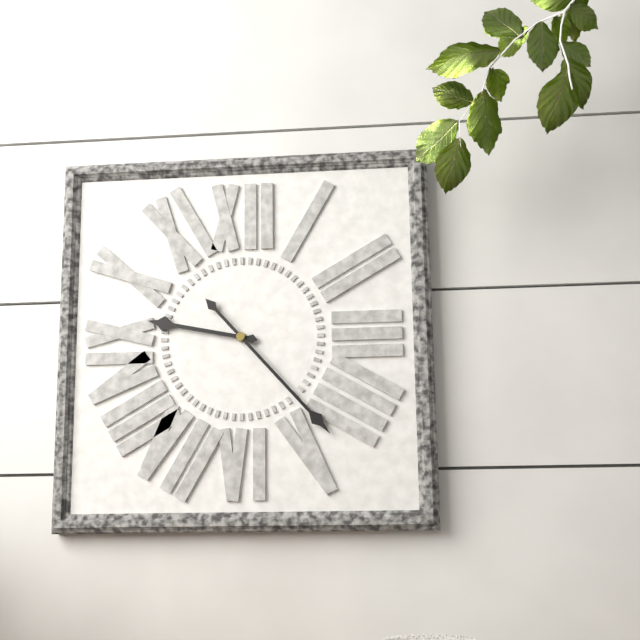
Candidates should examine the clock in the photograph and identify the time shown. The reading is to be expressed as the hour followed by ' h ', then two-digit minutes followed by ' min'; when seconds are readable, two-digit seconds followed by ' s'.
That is 9 h 23 min
